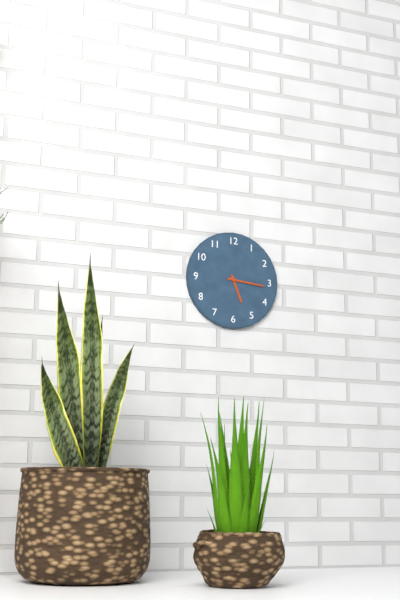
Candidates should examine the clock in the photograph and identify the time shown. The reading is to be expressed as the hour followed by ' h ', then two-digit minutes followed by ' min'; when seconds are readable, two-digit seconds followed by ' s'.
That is 5 h 16 min
